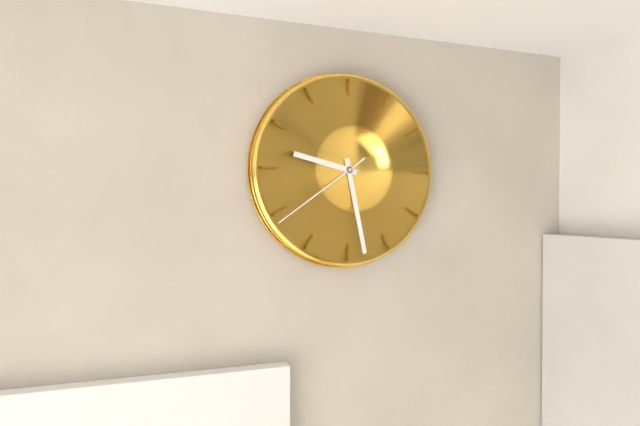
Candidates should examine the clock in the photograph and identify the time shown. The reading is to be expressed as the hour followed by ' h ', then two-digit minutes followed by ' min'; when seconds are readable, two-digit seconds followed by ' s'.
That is 9 h 28 min 39 s
